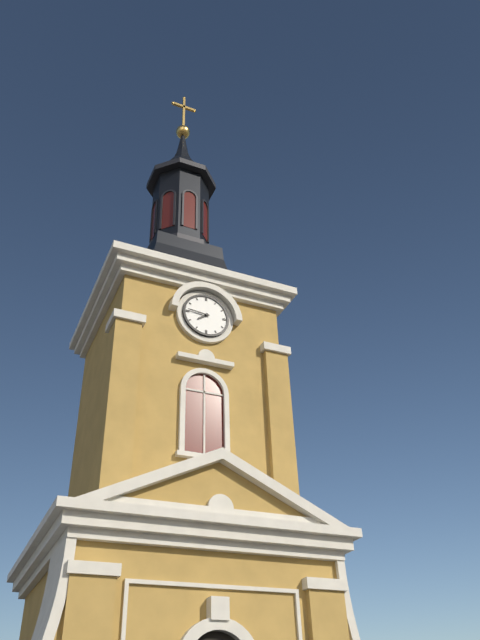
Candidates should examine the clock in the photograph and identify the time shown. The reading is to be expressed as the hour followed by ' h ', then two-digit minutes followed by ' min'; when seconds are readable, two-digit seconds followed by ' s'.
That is 7 h 46 min
